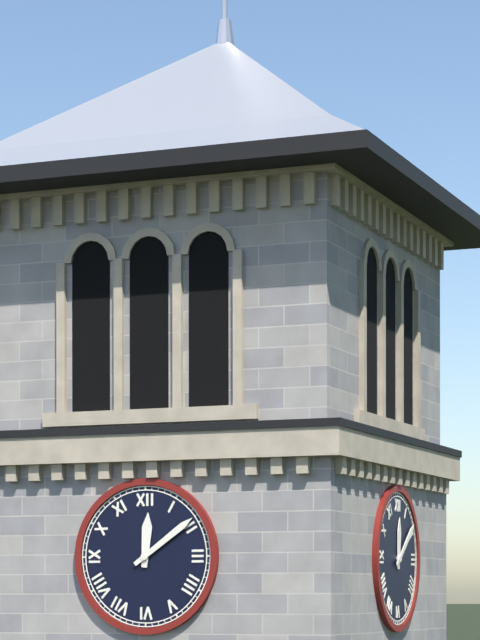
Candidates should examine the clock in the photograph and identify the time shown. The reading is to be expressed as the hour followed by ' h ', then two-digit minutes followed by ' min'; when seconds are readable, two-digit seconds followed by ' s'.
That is 12 h 09 min
